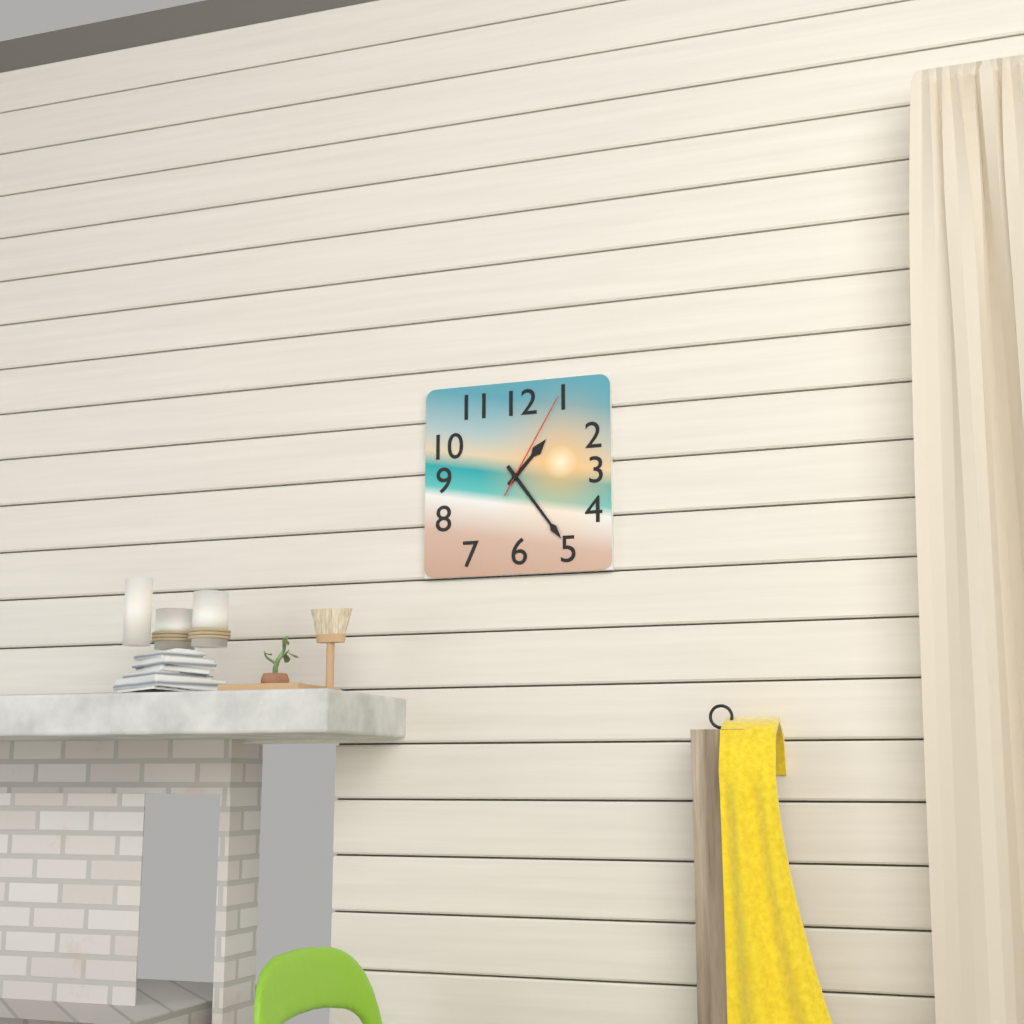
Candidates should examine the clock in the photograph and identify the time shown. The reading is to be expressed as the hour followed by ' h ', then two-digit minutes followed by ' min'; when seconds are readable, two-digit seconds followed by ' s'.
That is 1 h 24 min 05 s
